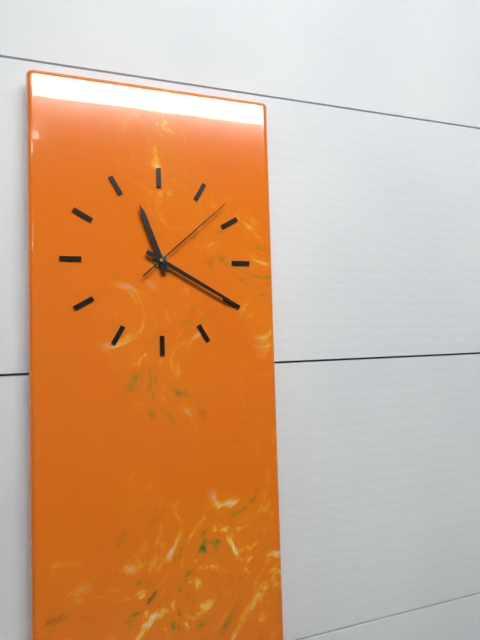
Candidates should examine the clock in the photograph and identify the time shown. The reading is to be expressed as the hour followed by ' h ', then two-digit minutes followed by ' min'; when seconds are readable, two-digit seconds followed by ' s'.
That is 11 h 20 min 08 s
